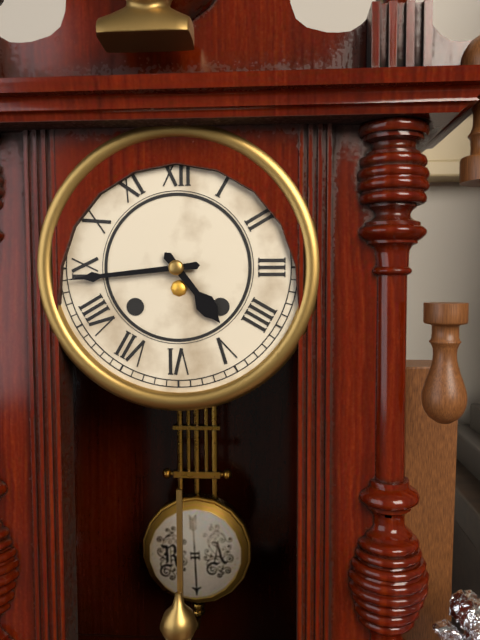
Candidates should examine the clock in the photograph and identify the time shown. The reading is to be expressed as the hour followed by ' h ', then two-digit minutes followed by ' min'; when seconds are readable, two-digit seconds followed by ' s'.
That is 4 h 44 min
